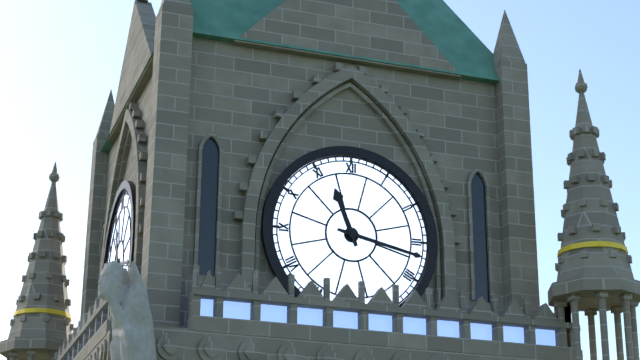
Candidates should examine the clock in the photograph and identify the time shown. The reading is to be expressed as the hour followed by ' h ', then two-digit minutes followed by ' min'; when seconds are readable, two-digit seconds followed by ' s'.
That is 11 h 17 min
